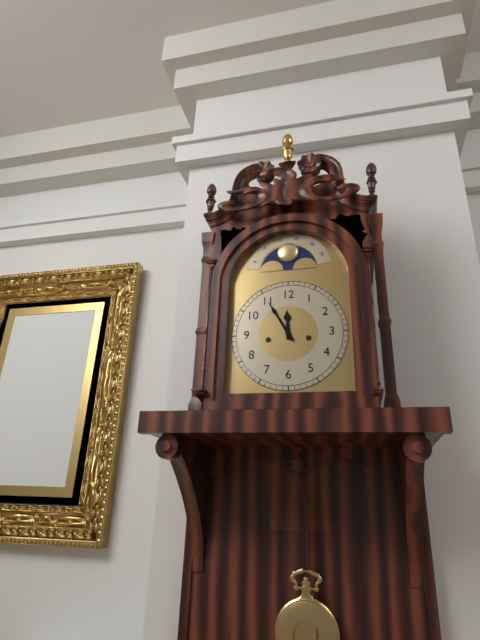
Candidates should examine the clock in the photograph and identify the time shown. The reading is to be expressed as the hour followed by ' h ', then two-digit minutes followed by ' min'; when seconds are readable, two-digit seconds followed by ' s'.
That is 11 h 55 min
